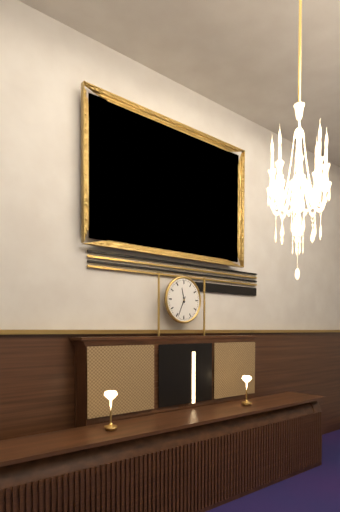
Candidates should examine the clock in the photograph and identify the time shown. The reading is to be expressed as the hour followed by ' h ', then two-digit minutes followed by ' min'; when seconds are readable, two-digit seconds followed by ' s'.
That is 11 h 34 min
